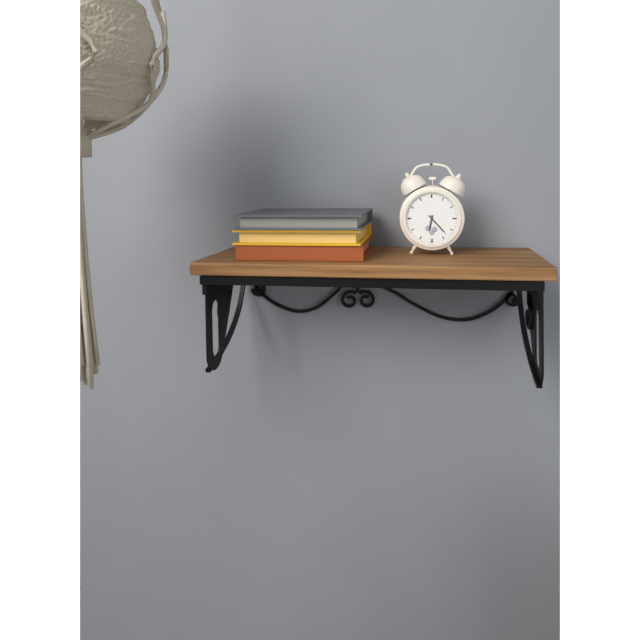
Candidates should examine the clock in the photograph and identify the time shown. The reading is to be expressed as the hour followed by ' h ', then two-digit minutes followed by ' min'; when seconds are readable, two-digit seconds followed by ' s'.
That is 6 h 23 min
